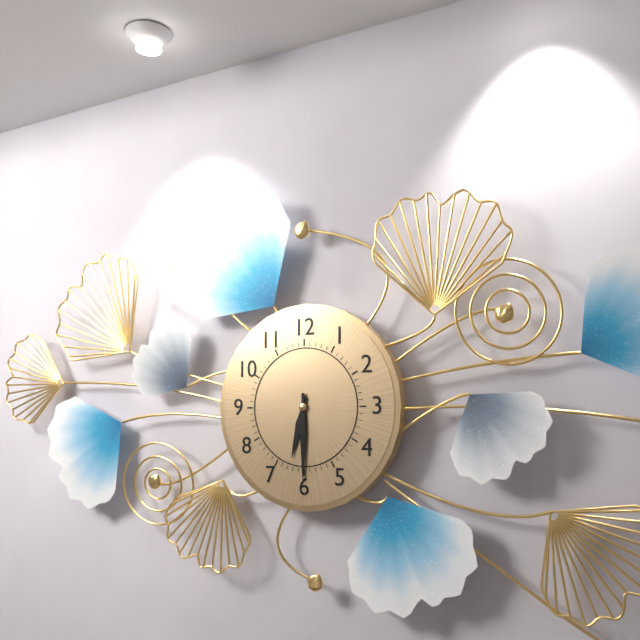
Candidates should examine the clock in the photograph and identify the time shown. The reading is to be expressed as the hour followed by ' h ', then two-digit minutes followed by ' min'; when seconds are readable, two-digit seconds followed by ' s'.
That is 6 h 30 min
